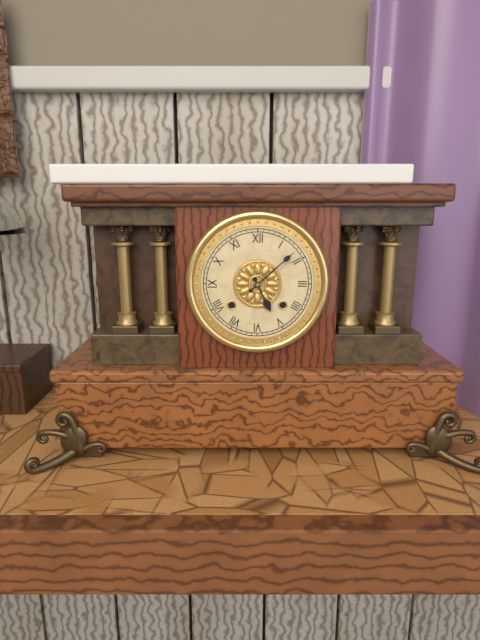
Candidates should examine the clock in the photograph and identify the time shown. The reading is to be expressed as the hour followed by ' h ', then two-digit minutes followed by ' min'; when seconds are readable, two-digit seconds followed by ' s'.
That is 5 h 08 min
